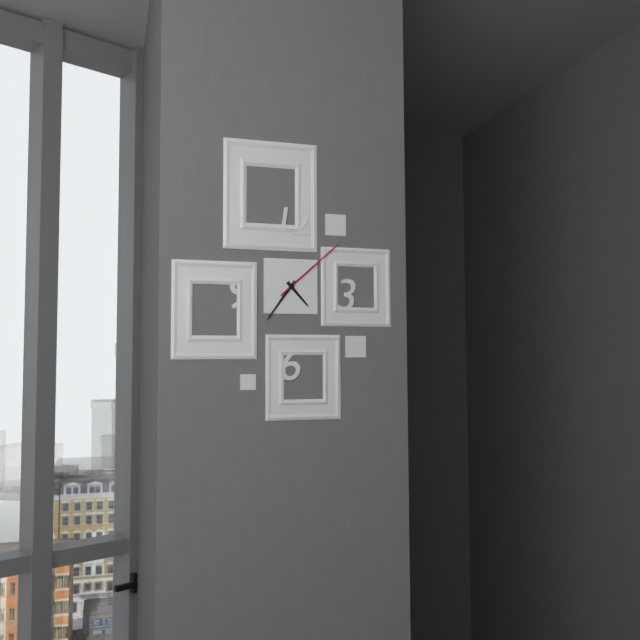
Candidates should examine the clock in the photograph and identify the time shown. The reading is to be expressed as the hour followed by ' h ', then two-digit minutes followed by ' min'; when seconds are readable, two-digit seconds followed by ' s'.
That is 4 h 36 min 08 s
